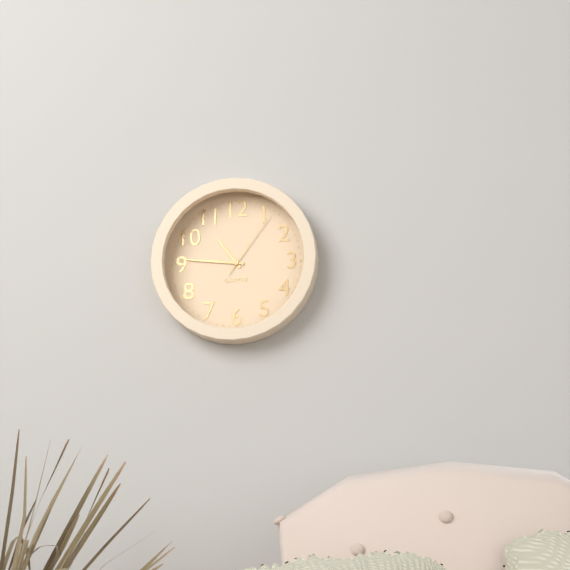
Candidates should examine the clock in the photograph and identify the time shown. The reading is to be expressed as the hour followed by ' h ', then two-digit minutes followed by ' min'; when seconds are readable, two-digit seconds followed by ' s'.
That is 10 h 46 min 06 s
